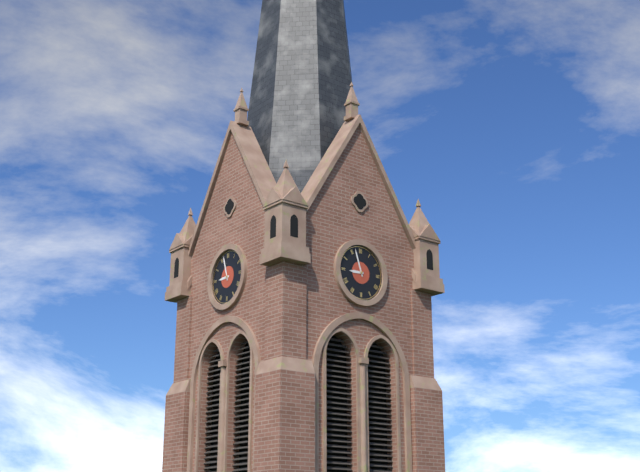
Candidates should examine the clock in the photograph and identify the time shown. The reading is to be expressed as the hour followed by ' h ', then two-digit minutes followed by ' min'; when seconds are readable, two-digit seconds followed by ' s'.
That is 8 h 57 min
